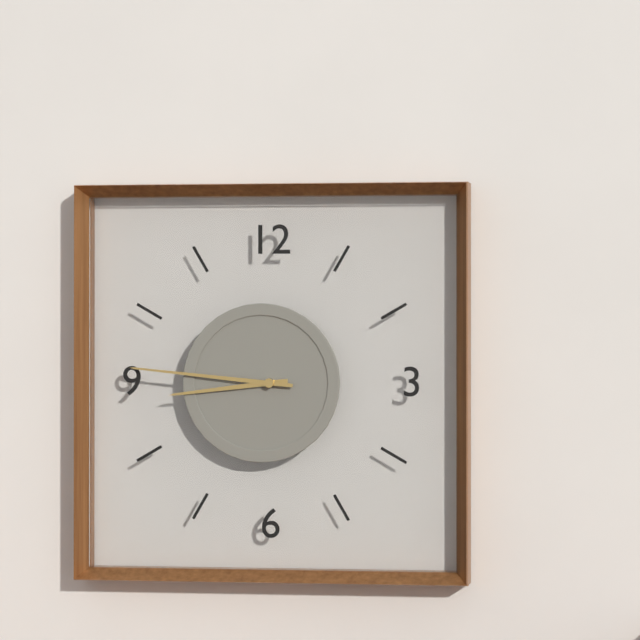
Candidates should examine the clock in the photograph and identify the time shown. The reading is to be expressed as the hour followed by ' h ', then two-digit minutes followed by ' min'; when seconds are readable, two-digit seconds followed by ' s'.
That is 8 h 46 min
